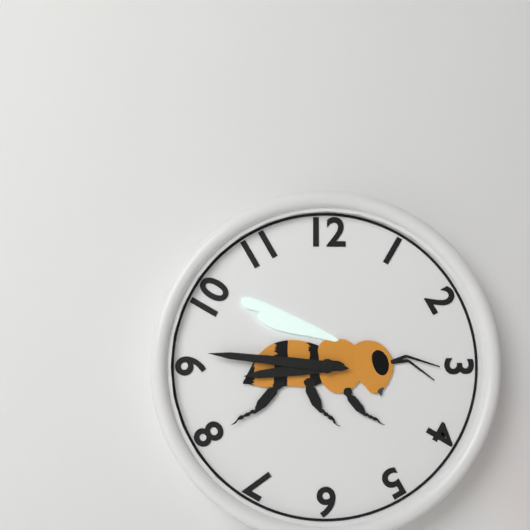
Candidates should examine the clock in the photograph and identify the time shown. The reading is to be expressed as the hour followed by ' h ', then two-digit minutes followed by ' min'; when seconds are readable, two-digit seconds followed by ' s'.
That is 8 h 46 min
